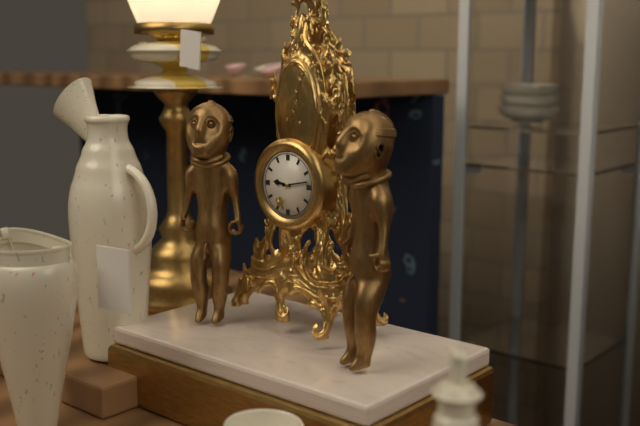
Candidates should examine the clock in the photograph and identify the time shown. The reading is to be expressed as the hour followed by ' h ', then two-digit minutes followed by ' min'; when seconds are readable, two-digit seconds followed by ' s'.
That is 9 h 13 min
